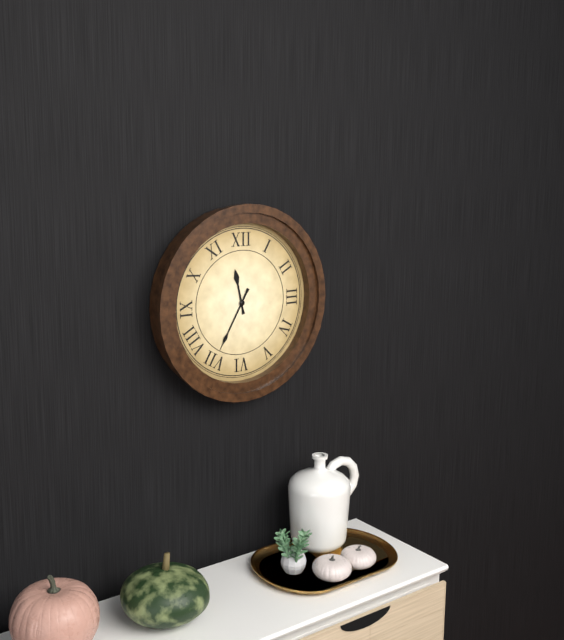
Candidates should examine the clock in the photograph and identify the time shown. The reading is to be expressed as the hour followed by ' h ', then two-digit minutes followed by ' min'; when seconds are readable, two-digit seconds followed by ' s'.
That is 11 h 35 min
